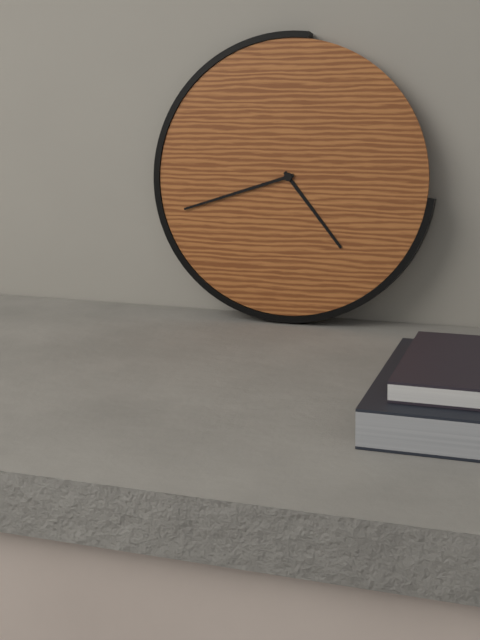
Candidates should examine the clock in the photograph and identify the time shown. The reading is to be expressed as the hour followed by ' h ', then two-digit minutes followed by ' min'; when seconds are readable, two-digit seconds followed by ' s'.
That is 4 h 42 min
